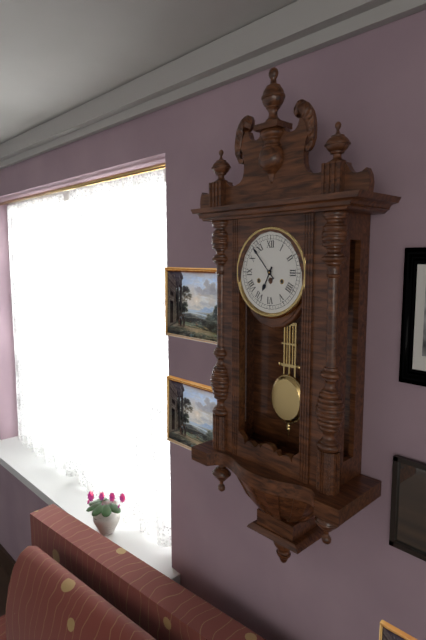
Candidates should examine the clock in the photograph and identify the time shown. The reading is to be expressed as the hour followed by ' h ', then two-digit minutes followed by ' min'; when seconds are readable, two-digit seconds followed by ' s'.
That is 6 h 53 min
